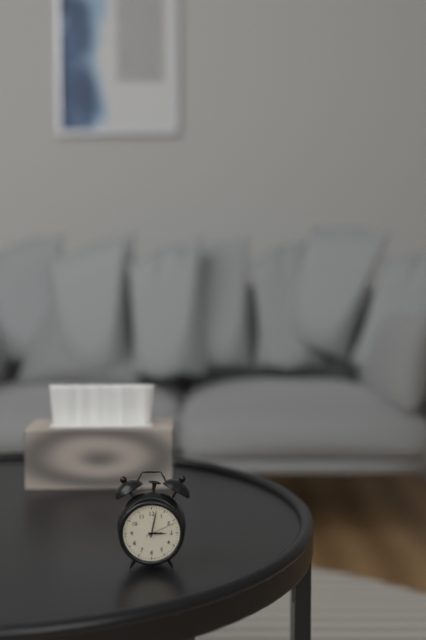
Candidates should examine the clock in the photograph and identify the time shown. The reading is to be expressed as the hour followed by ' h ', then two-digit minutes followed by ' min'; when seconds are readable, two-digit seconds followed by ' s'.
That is 3 h 02 min
